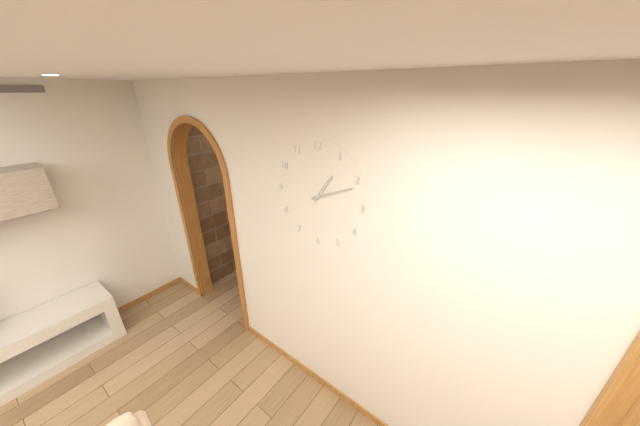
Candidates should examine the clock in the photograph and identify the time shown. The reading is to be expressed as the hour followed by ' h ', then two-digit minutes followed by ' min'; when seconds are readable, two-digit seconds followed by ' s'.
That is 1 h 11 min
